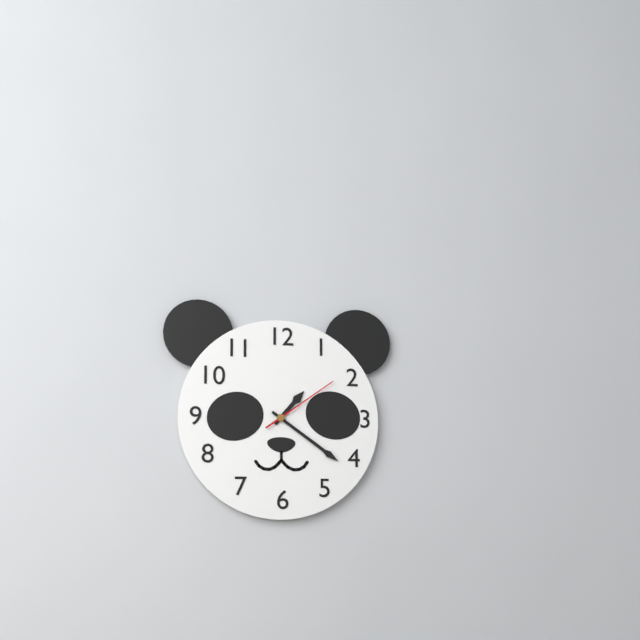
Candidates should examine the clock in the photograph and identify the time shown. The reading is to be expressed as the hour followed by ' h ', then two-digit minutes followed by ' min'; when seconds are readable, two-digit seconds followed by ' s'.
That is 1 h 21 min 09 s
